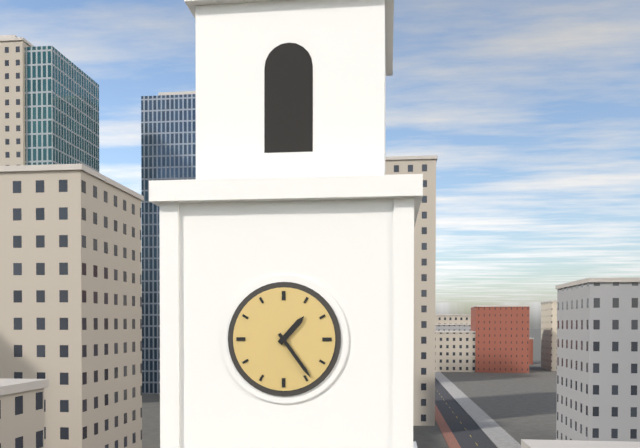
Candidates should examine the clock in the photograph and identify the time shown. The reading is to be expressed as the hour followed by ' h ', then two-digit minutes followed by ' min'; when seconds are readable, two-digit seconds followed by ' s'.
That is 1 h 24 min
